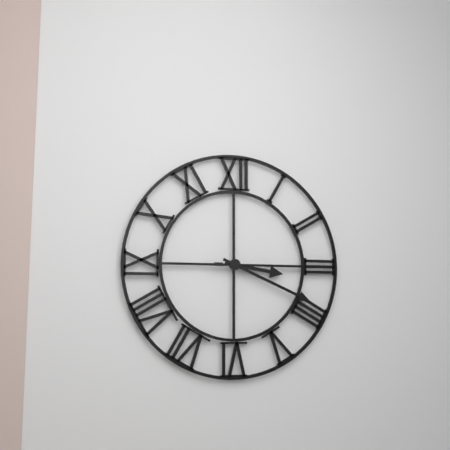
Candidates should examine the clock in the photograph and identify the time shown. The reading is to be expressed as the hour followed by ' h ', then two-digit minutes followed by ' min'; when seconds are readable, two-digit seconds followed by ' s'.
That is 3 h 19 min 15 s
